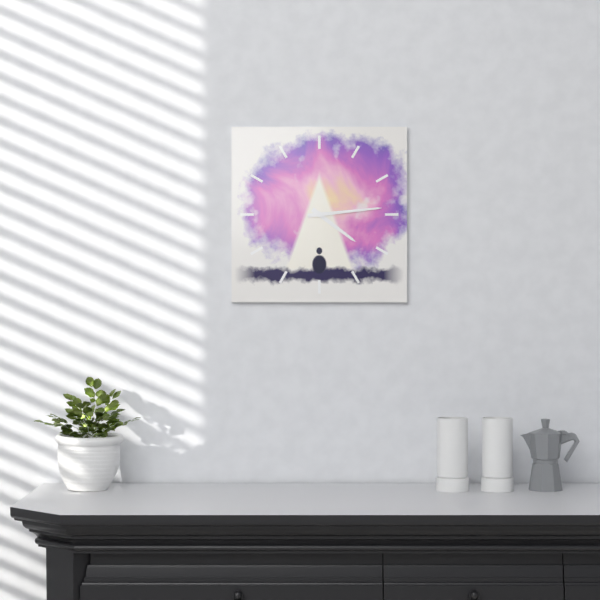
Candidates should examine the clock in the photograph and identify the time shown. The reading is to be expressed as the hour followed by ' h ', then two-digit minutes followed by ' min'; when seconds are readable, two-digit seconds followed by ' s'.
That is 4 h 14 min
